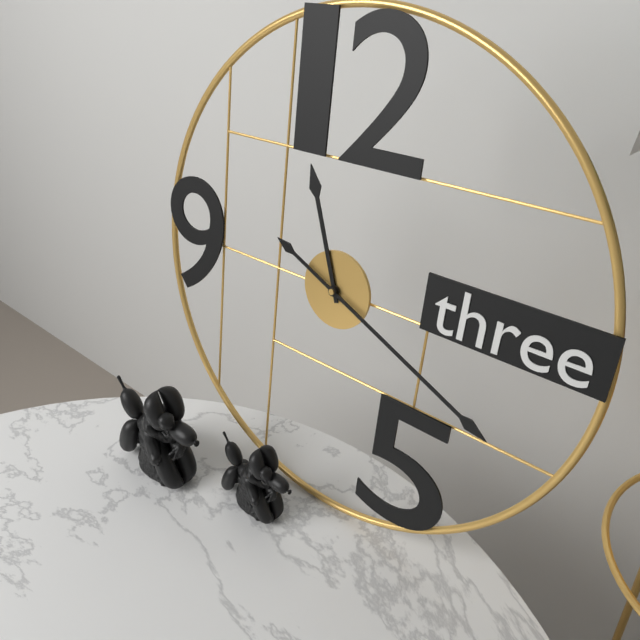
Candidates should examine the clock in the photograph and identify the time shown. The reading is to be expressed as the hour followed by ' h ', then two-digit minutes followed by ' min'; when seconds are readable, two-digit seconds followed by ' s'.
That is 11 h 19 min
